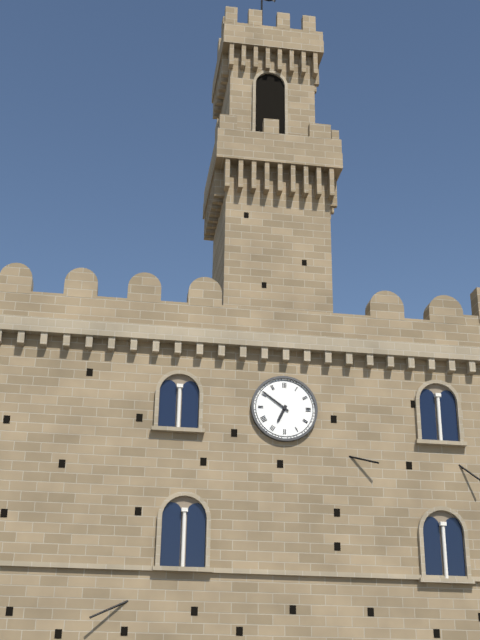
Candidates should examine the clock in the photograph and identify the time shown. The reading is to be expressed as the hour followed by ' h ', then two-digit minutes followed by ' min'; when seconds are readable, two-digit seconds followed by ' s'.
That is 6 h 51 min
